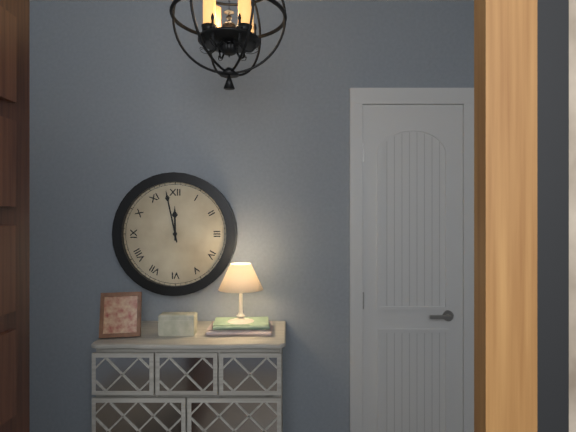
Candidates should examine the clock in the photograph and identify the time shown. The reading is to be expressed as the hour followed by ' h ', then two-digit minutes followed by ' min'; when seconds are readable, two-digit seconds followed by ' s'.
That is 11 h 58 min
